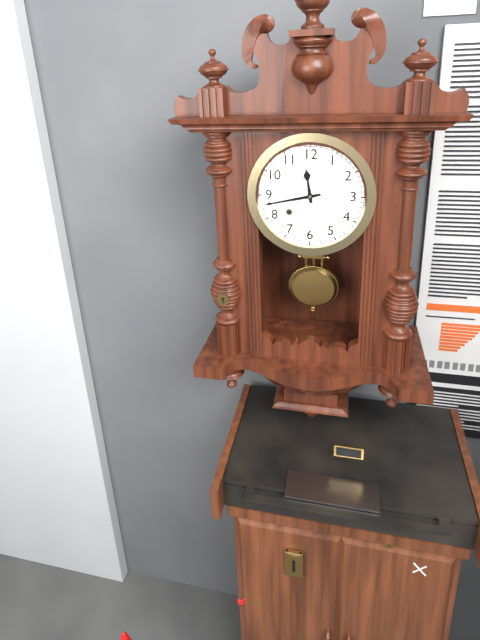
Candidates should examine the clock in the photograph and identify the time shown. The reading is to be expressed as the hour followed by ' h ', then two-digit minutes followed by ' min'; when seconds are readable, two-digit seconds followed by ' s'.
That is 11 h 43 min
